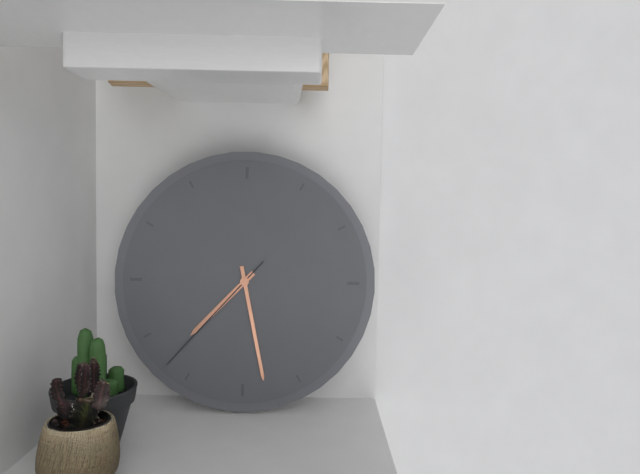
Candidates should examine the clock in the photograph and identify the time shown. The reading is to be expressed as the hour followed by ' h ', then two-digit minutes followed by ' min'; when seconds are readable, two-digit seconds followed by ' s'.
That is 7 h 28 min 37 s
